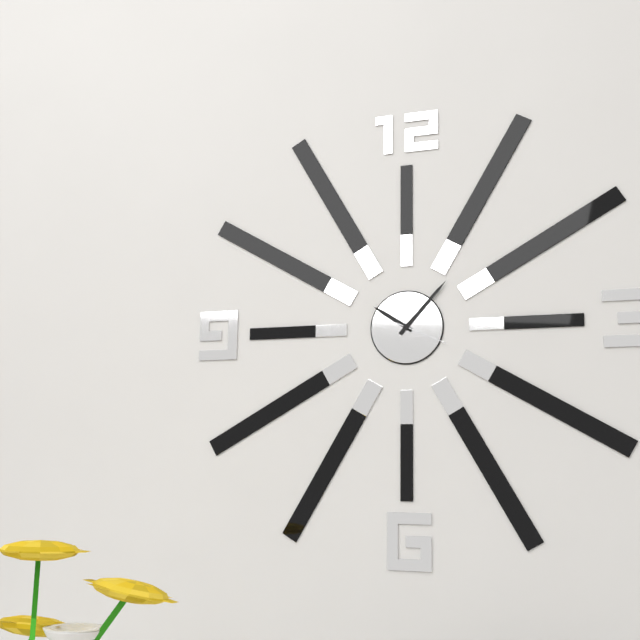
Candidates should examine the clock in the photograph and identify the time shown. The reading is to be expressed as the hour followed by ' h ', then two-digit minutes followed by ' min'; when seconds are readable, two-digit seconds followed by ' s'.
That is 10 h 07 min 19 s
